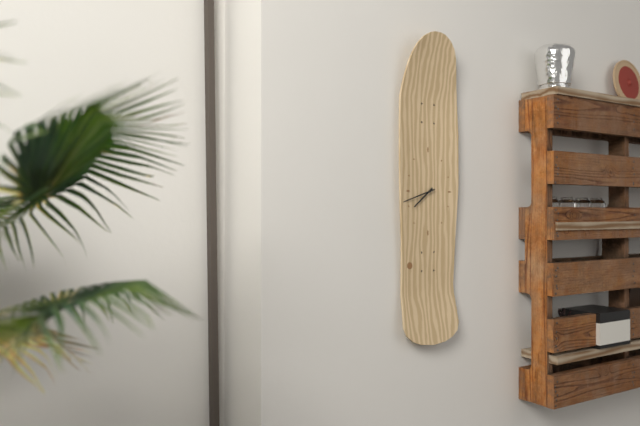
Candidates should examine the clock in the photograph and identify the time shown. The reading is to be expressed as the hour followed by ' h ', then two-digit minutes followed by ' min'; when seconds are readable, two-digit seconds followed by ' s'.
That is 7 h 42 min
